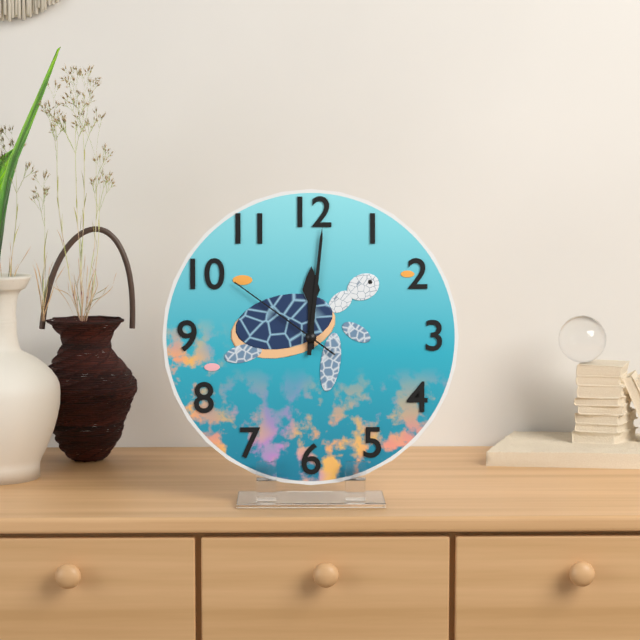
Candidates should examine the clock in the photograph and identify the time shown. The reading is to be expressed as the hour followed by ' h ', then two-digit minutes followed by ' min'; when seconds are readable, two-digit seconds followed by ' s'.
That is 12 h 01 min 51 s
